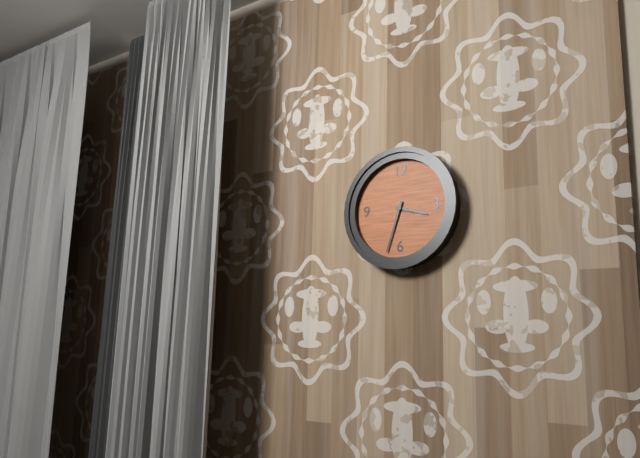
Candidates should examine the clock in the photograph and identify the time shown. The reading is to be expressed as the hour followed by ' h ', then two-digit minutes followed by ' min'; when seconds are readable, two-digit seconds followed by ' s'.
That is 3 h 33 min
